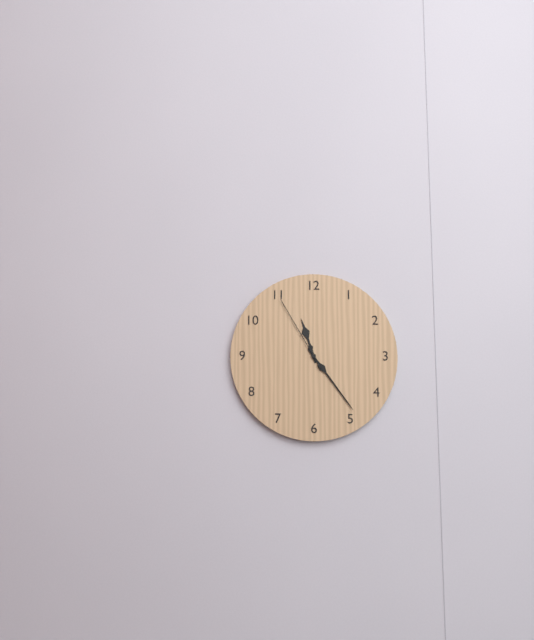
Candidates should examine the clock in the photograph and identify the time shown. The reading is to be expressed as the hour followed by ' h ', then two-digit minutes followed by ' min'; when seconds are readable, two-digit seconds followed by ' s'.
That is 11 h 24 min 55 s
